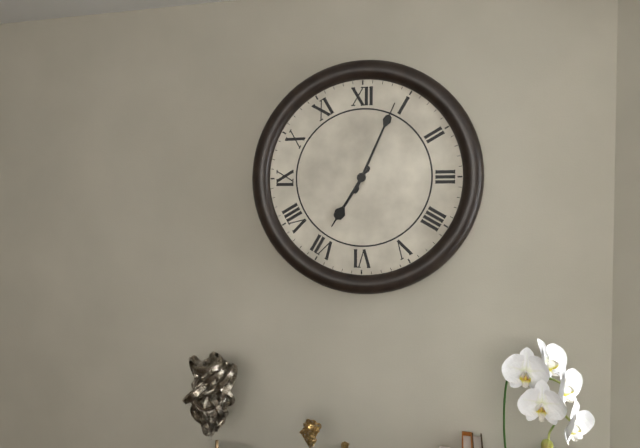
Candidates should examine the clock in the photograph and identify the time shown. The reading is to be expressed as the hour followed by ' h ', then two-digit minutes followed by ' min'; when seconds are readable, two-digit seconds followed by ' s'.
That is 7 h 04 min
